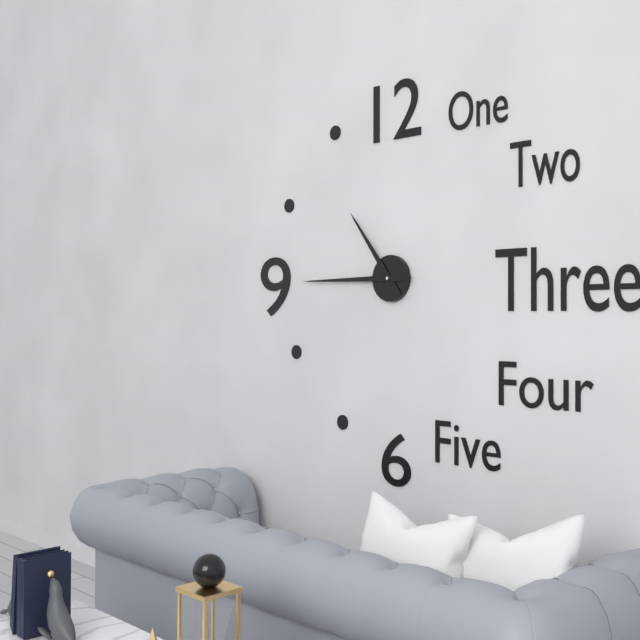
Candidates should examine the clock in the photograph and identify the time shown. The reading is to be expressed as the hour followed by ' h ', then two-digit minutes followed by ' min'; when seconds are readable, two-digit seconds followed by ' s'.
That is 10 h 45 min
